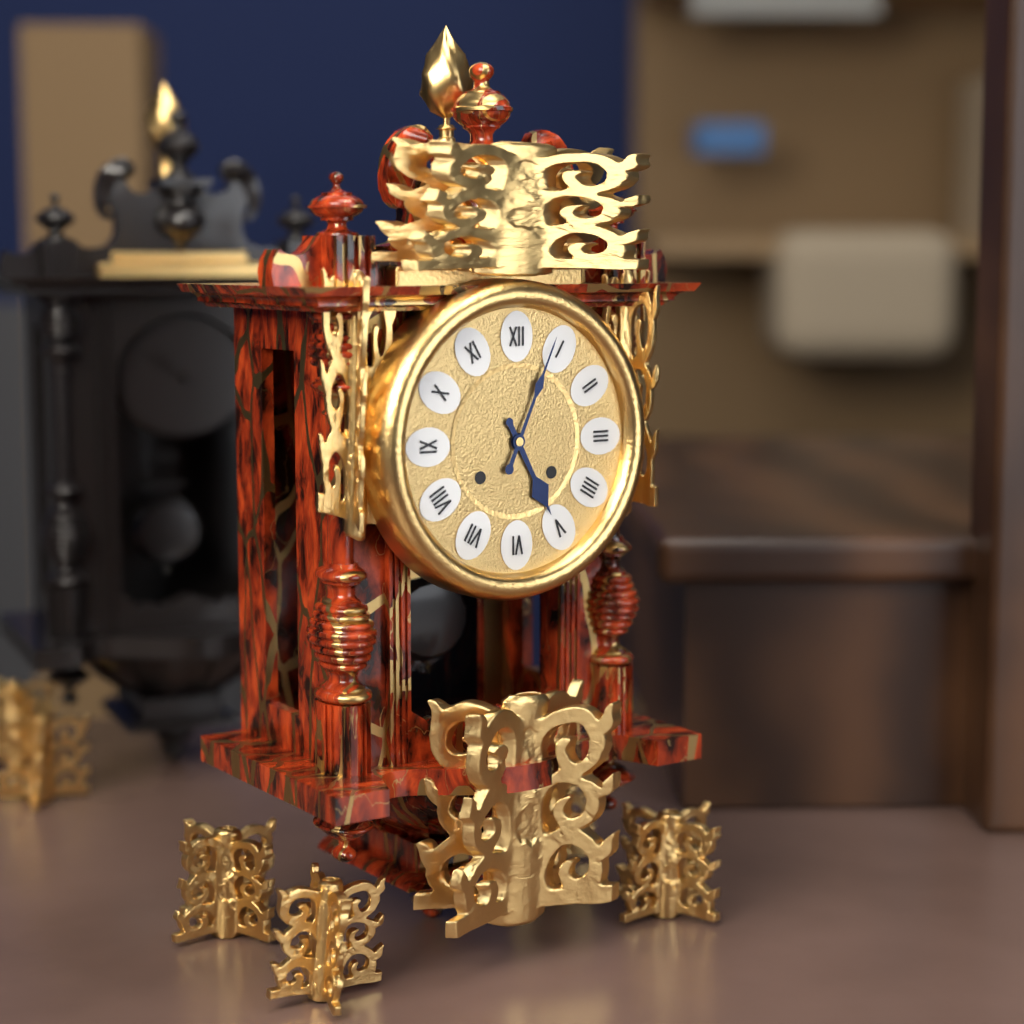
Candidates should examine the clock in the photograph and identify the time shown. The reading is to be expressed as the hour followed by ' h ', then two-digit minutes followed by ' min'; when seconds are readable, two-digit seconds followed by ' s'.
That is 5 h 04 min
